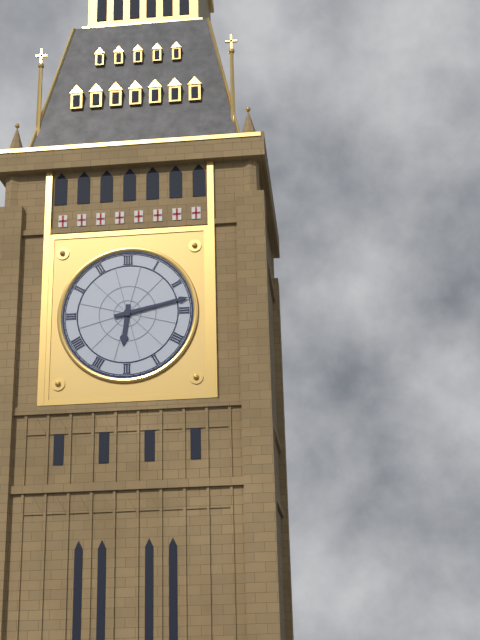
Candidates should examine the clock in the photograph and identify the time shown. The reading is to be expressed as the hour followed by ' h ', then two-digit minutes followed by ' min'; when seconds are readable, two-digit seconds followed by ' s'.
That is 6 h 13 min
